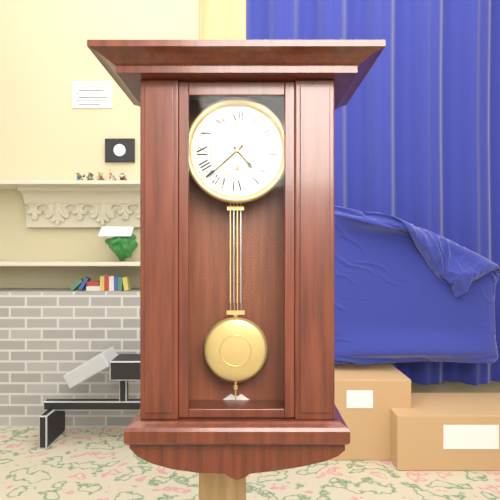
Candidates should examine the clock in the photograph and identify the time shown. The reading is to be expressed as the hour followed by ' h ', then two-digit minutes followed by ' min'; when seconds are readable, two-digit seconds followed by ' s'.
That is 4 h 38 min
